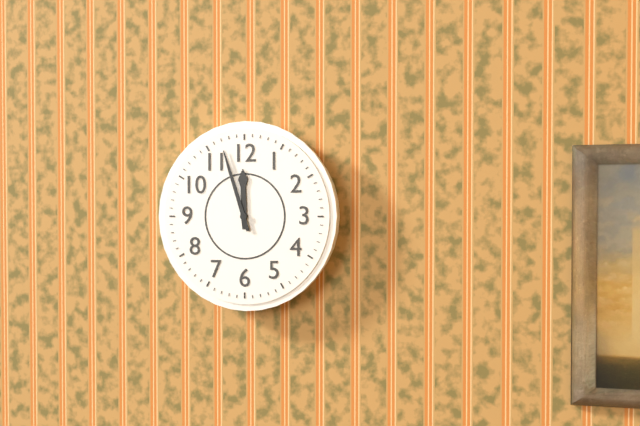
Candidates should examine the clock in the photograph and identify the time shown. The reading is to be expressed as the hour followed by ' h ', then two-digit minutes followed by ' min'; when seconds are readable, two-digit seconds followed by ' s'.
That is 11 h 57 min
